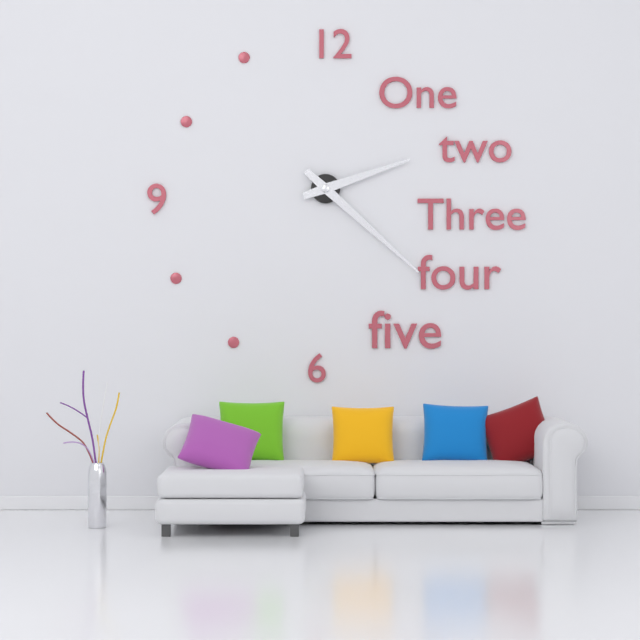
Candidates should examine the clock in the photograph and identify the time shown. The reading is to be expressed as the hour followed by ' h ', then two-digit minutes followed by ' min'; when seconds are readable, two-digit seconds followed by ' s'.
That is 2 h 22 min
